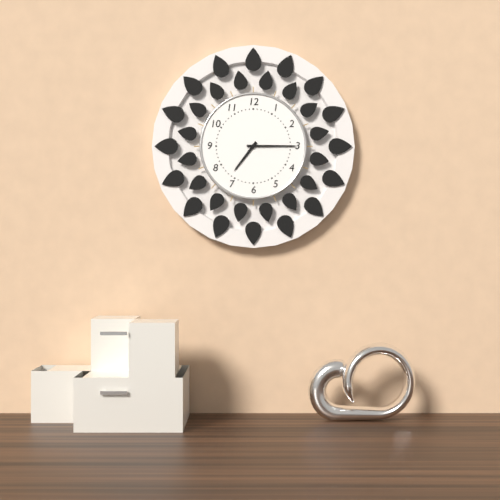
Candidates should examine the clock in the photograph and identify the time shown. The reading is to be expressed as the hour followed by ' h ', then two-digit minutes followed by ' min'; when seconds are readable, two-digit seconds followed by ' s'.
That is 7 h 15 min
